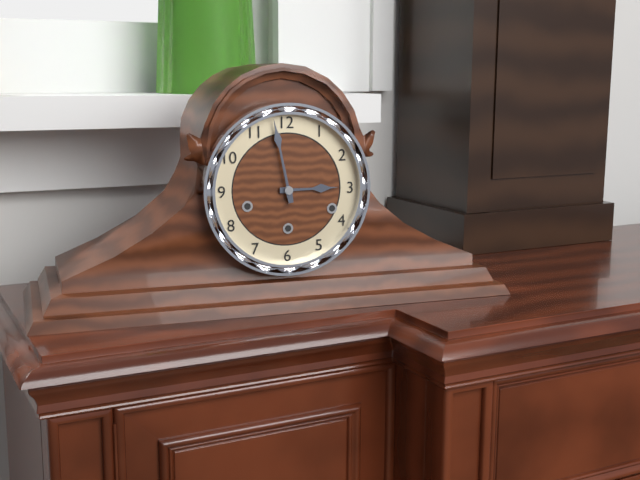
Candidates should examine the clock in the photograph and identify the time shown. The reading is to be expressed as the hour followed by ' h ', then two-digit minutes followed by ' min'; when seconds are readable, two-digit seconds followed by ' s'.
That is 2 h 58 min
